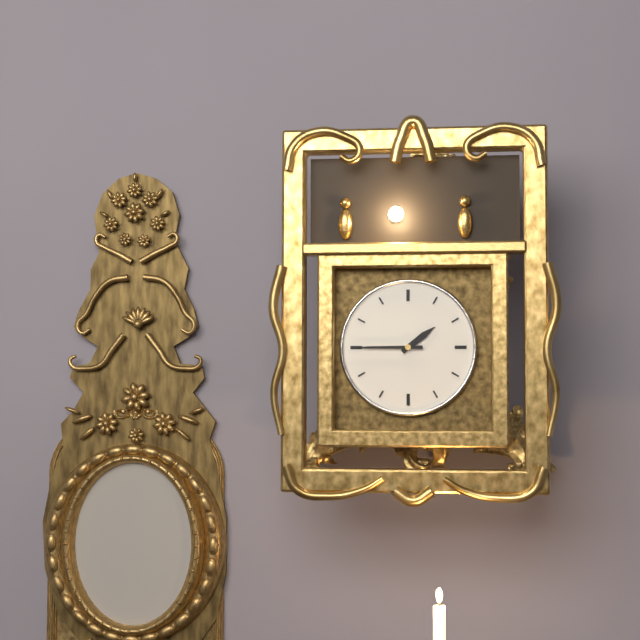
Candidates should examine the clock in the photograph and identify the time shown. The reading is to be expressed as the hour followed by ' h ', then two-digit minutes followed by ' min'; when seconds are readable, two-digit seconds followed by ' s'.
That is 1 h 45 min
